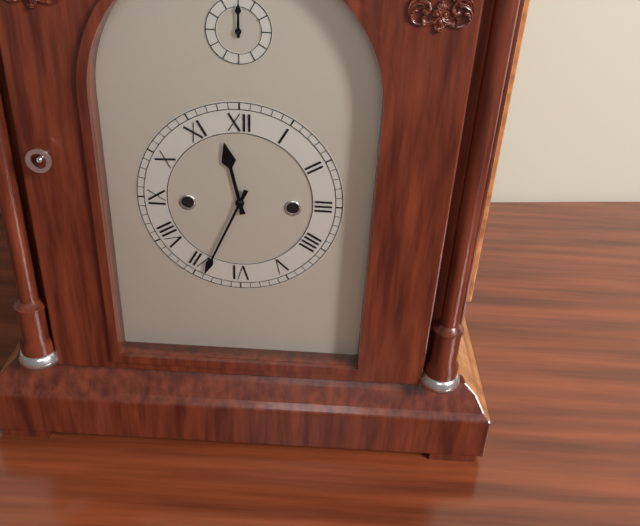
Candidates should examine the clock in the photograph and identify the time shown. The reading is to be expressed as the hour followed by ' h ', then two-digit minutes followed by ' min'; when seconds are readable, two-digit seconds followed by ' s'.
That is 11 h 34 min
